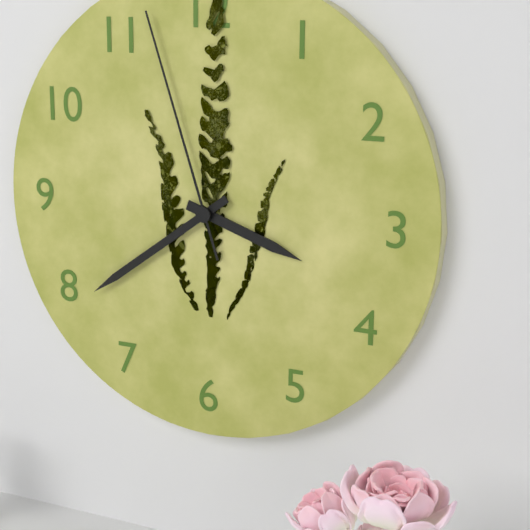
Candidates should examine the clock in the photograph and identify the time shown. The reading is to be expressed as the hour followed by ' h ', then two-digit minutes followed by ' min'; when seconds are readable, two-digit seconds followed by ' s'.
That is 3 h 39 min 57 s
